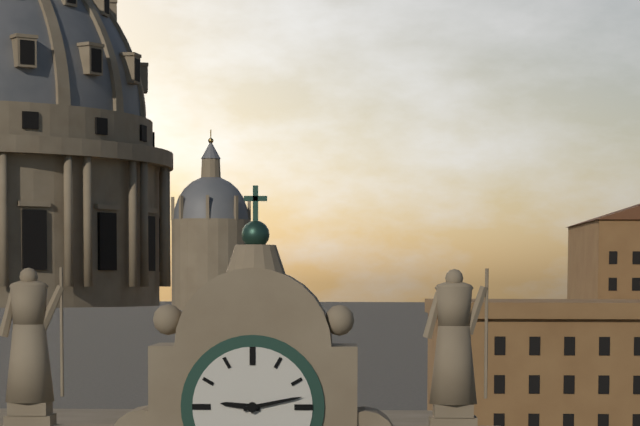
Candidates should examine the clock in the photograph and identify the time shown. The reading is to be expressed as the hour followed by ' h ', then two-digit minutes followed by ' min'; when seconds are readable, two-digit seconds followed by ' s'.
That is 9 h 13 min
